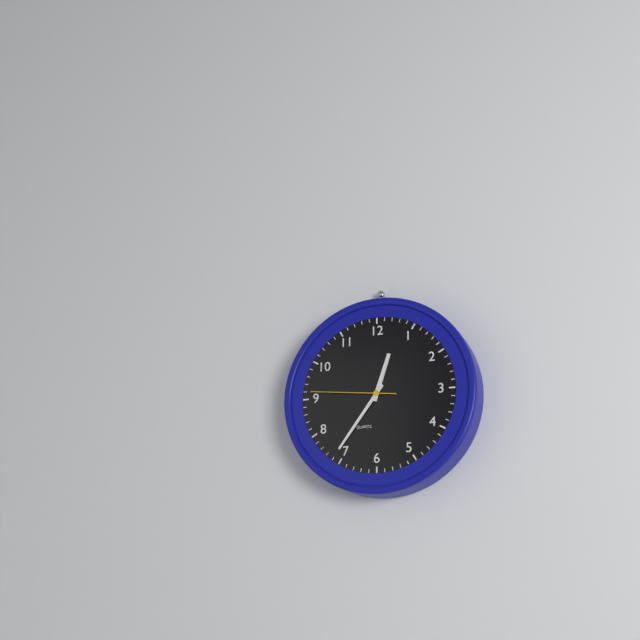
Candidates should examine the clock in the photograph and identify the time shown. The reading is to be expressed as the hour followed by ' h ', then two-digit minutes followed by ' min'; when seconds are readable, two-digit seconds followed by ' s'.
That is 12 h 36 min 46 s
